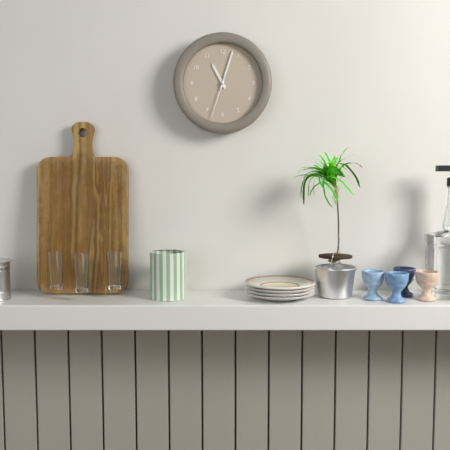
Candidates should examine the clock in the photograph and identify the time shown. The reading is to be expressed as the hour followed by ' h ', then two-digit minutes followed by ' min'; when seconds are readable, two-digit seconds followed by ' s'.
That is 11 h 03 min
